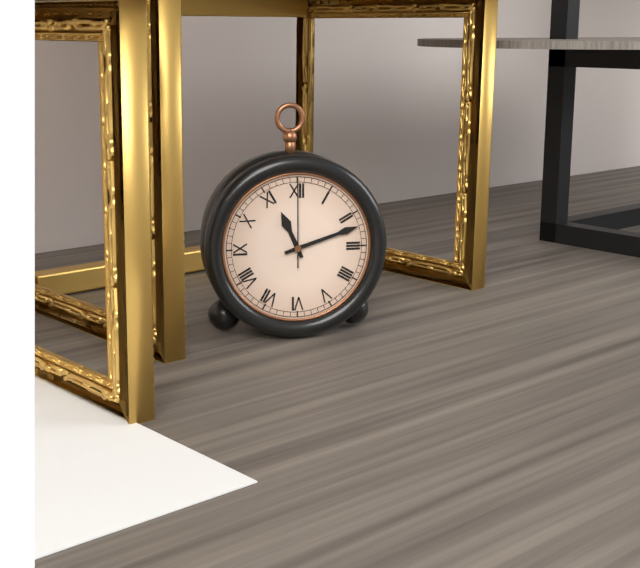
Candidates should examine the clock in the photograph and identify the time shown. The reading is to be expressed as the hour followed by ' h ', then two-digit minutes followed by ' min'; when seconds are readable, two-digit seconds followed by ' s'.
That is 11 h 12 min 00 s
